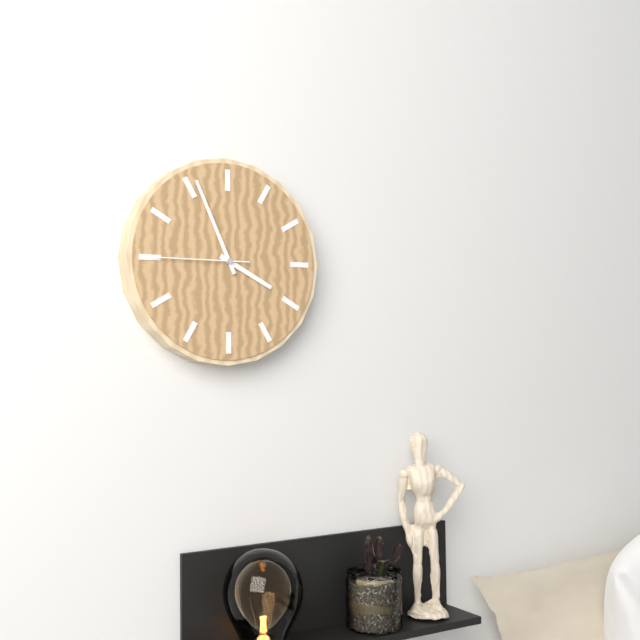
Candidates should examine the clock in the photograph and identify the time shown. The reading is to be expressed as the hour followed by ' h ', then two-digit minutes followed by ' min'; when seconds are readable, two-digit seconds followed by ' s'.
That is 3 h 56 min 45 s
